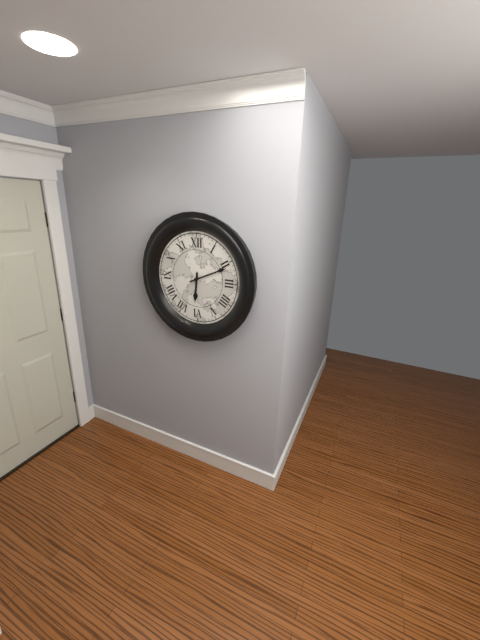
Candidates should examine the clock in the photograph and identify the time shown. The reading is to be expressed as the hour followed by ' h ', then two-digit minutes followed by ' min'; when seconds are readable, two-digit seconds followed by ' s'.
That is 6 h 11 min
